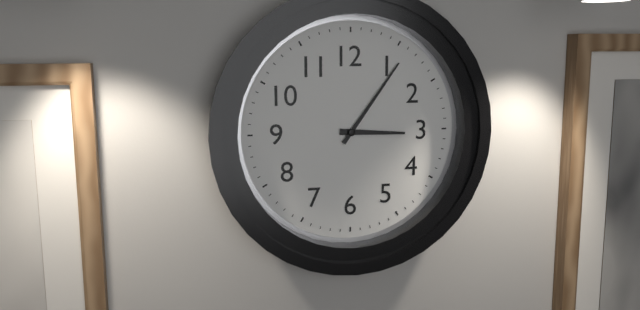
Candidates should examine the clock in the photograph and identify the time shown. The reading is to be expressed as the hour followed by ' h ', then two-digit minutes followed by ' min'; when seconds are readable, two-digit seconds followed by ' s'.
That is 3 h 06 min
